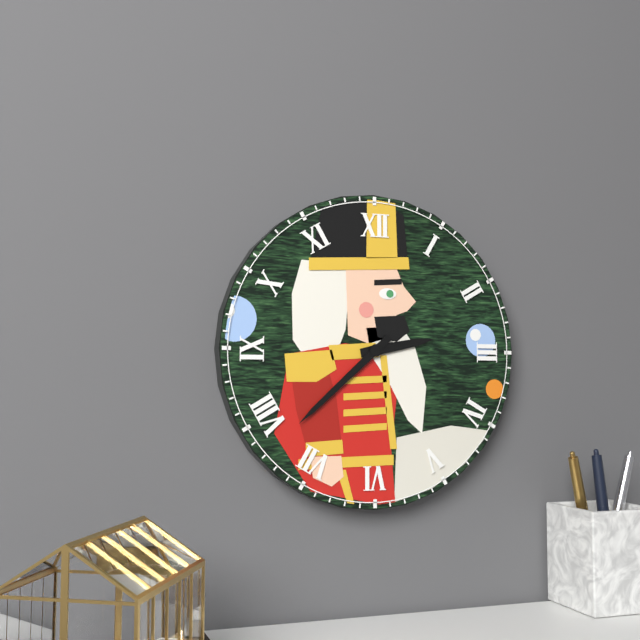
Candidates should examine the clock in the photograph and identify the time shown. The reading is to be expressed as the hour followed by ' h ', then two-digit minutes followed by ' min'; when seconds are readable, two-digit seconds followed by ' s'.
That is 2 h 38 min
